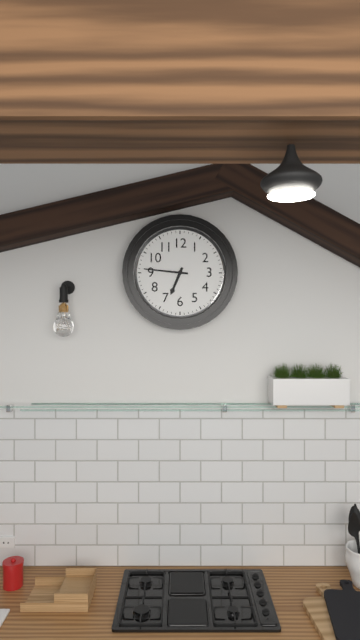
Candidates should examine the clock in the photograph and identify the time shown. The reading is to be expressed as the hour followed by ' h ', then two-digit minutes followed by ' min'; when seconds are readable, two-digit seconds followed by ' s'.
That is 6 h 46 min
